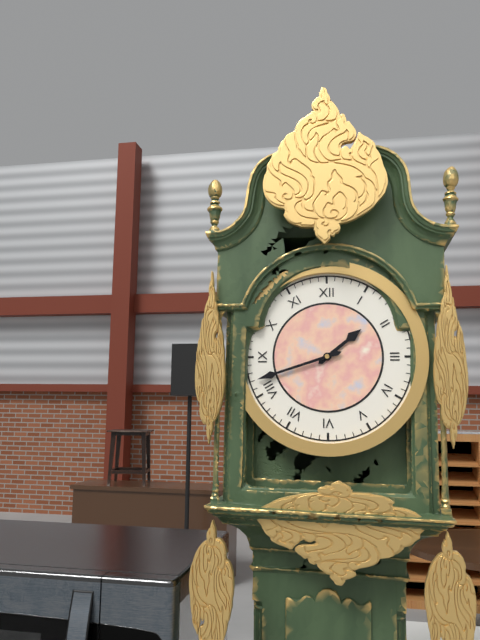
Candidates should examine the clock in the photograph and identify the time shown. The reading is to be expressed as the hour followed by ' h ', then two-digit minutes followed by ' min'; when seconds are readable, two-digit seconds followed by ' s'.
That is 1 h 42 min
